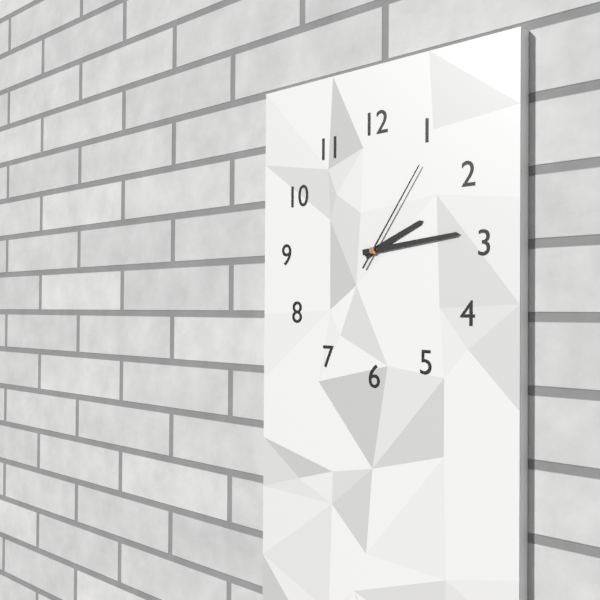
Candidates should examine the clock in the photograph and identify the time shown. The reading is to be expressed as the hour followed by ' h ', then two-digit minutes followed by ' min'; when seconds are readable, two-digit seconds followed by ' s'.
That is 2 h 14 min 06 s
